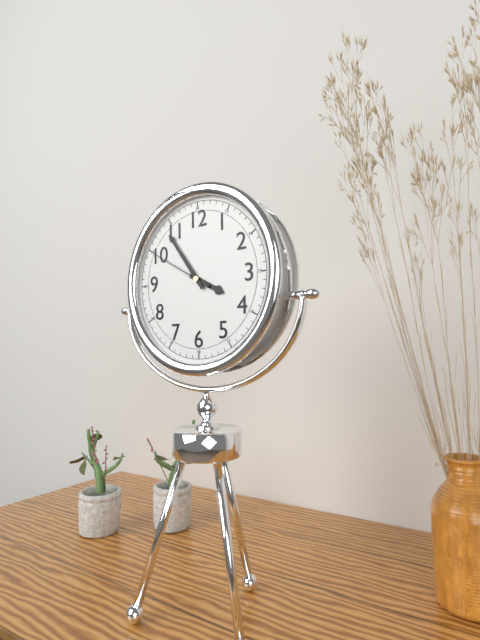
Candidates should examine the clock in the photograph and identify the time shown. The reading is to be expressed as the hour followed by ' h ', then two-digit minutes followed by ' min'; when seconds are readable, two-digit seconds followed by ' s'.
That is 3 h 54 min 50 s
